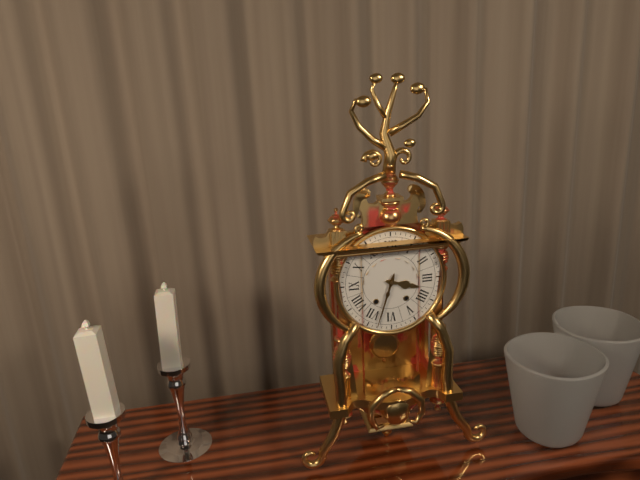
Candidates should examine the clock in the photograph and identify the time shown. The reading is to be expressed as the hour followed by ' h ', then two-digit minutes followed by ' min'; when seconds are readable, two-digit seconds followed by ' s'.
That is 3 h 33 min
